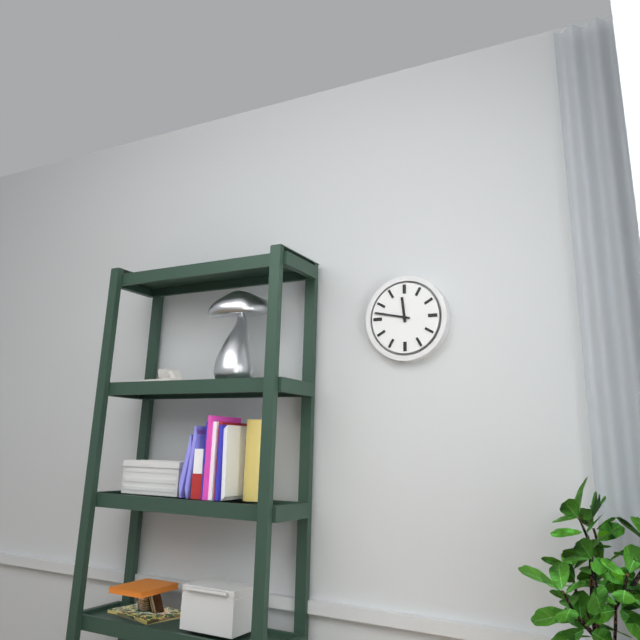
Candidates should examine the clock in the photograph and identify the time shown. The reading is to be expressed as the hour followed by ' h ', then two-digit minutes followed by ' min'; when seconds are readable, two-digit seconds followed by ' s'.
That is 11 h 47 min
